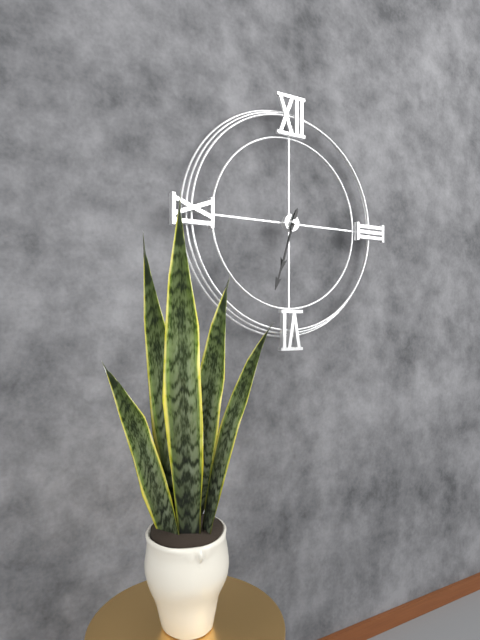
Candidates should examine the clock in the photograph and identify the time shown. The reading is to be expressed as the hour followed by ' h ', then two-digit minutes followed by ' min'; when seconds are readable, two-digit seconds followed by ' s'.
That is 6 h 33 min
